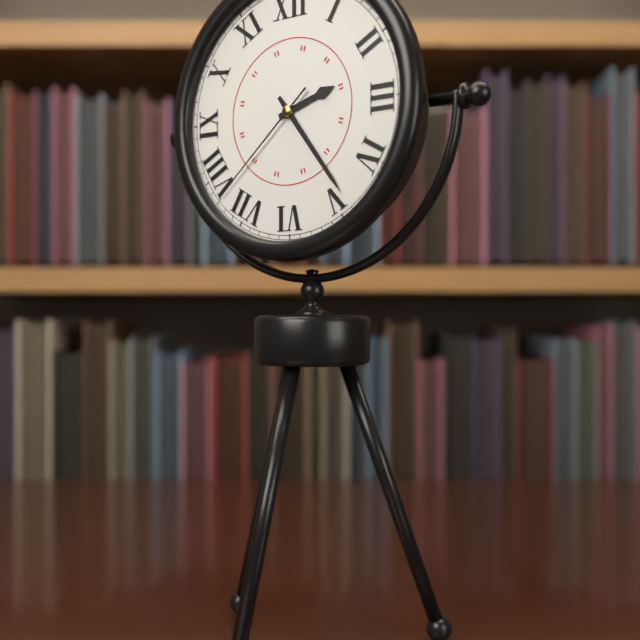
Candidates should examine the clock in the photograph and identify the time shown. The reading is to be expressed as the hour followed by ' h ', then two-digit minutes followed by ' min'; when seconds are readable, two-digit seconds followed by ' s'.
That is 2 h 24 min 38 s
